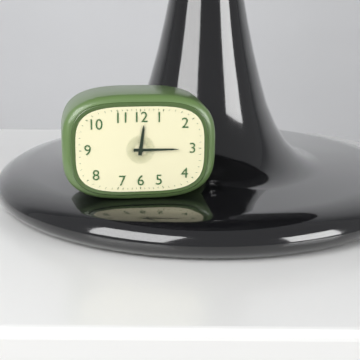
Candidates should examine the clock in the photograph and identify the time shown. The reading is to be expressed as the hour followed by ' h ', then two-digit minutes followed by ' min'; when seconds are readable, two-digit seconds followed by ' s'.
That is 12 h 15 min
